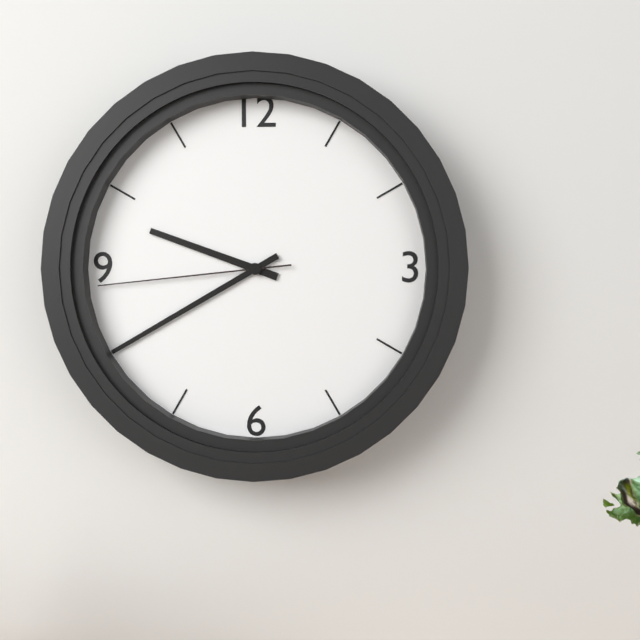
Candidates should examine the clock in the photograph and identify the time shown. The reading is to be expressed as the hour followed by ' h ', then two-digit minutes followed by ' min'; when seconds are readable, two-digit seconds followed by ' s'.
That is 9 h 40 min 44 s
